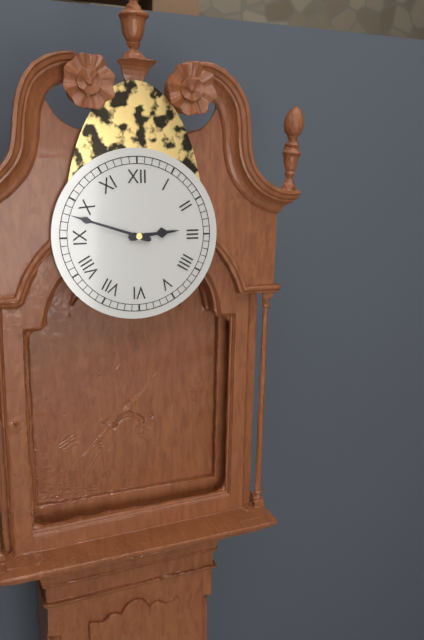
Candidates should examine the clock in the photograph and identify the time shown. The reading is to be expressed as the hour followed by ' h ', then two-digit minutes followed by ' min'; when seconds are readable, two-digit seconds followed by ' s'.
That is 2 h 48 min
